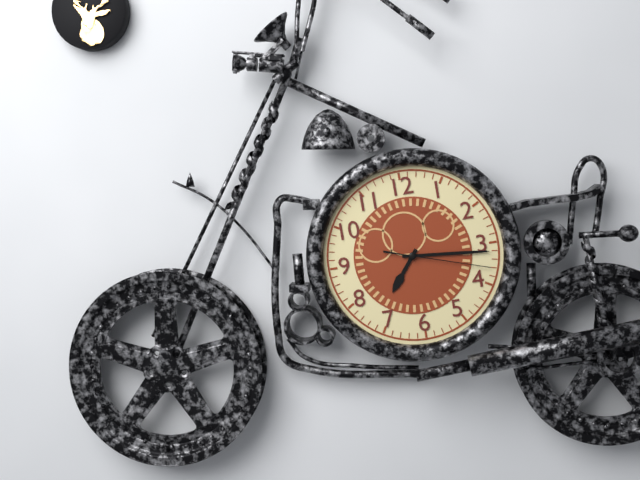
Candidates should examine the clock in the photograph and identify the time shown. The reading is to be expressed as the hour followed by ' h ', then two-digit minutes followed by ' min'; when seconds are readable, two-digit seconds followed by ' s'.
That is 7 h 16 min 18 s
